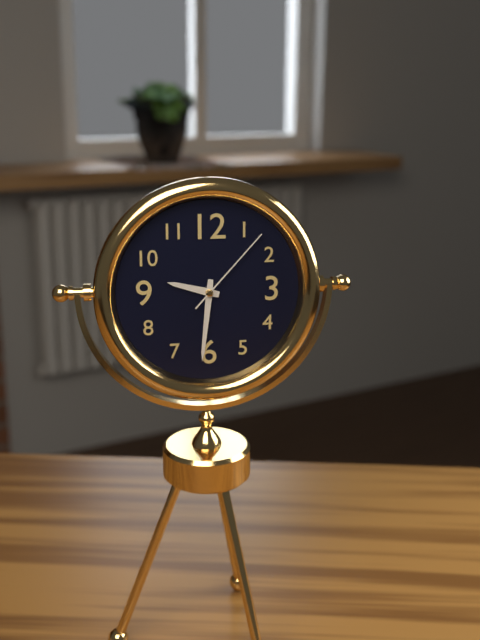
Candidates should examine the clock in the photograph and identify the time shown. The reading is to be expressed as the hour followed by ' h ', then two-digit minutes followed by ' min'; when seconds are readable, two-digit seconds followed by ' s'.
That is 9 h 31 min 07 s
